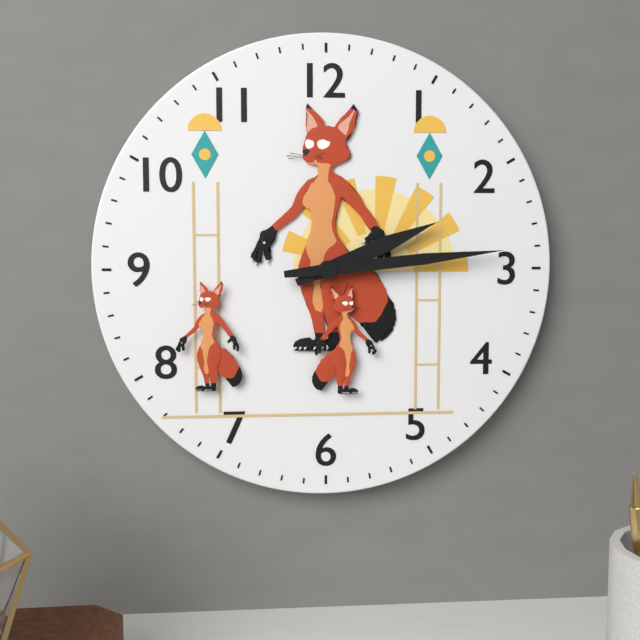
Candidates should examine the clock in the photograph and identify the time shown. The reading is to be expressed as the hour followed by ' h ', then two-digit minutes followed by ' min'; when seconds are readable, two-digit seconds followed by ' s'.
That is 2 h 14 min
